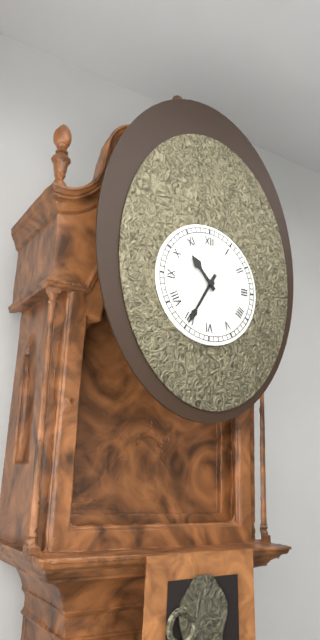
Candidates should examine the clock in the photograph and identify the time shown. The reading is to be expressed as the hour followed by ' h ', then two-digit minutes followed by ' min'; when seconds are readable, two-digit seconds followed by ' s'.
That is 10 h 35 min
